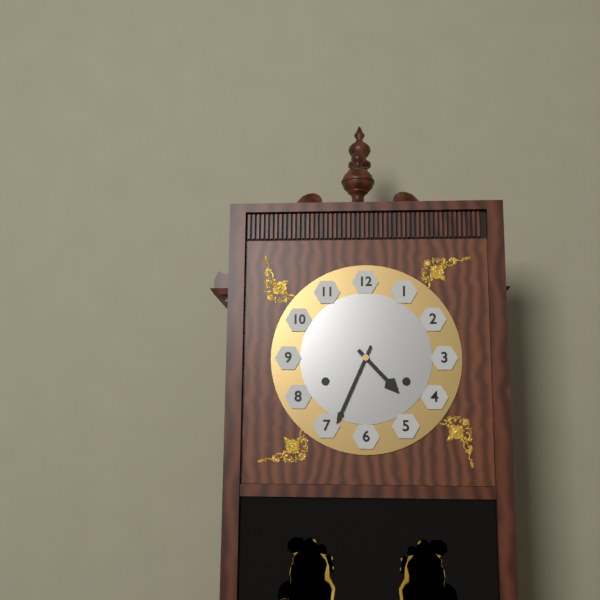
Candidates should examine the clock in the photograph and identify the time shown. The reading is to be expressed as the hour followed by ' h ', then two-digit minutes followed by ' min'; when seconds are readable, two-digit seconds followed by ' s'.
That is 4 h 34 min
